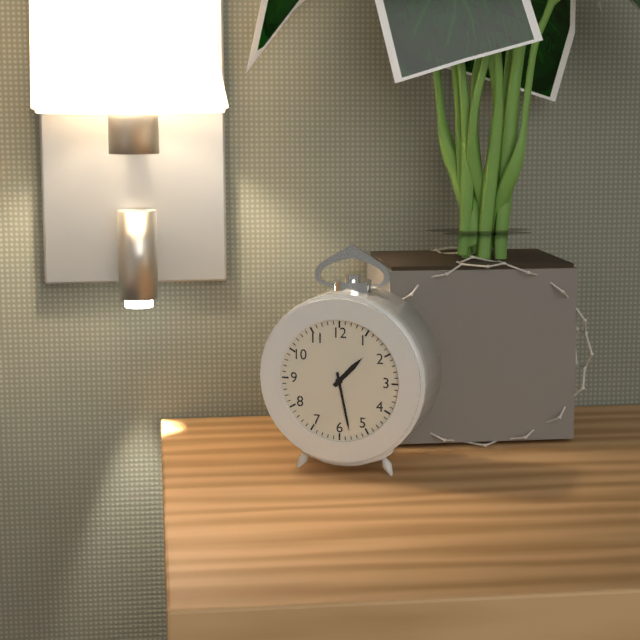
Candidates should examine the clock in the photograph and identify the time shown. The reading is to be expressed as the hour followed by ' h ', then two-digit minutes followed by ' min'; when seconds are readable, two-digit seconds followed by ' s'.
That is 1 h 28 min
